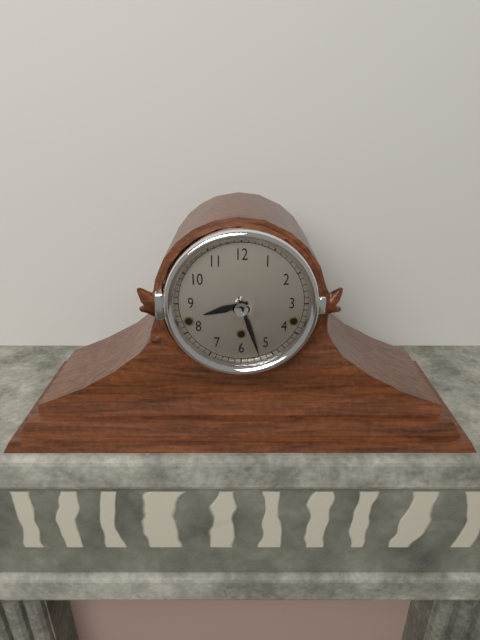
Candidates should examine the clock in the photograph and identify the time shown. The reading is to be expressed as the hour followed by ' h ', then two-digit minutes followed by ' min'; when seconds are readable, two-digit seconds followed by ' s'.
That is 8 h 27 min
